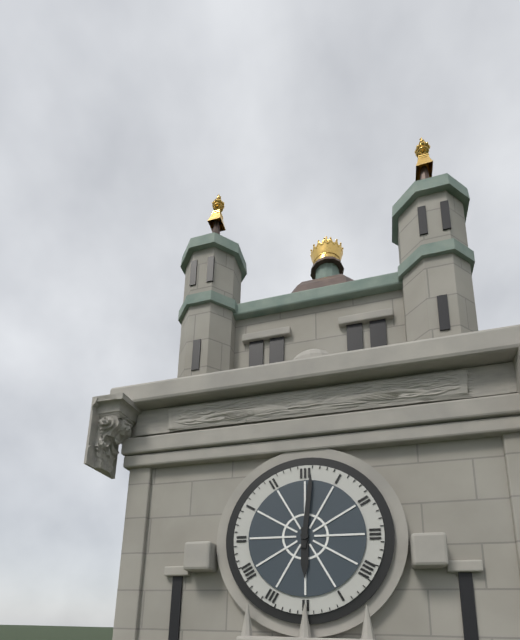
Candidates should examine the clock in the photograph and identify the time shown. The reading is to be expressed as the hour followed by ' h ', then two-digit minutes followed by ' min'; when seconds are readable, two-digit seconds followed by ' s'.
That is 6 h 01 min
